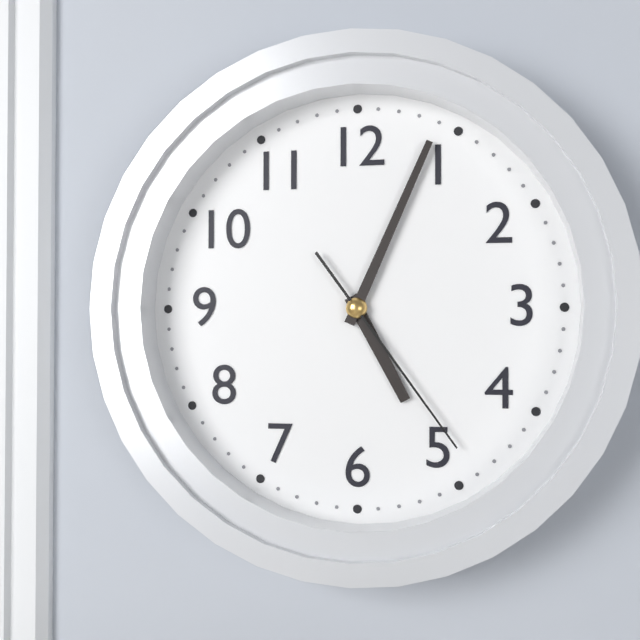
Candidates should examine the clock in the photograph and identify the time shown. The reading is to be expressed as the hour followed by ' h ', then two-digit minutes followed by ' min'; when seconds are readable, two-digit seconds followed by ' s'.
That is 5 h 04 min 24 s
